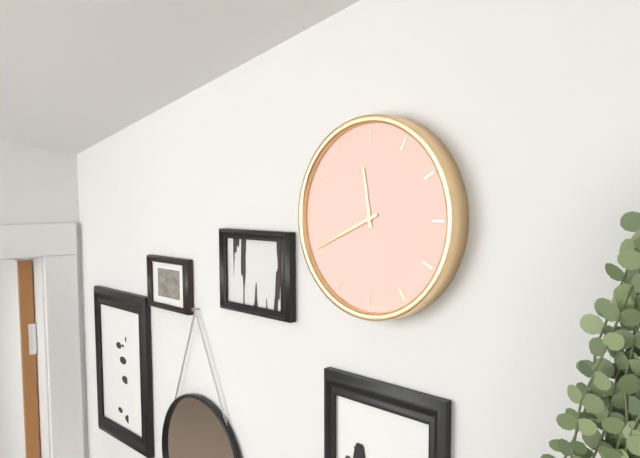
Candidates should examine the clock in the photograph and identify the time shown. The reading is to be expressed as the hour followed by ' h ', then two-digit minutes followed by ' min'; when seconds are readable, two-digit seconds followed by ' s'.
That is 11 h 41 min
